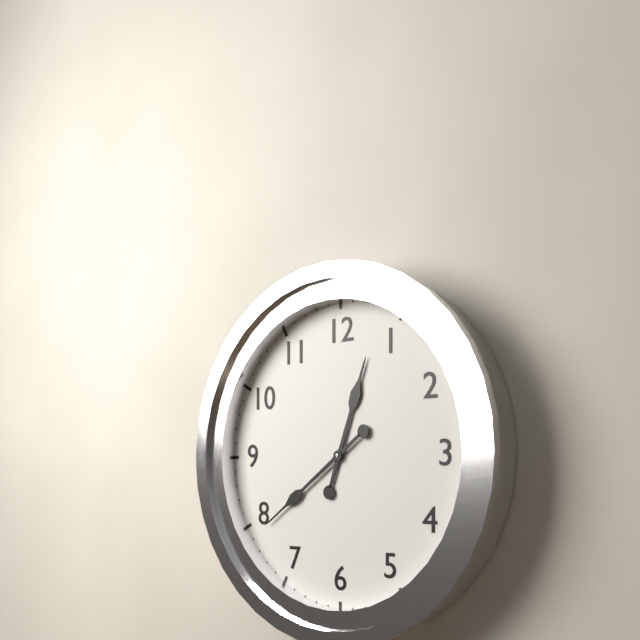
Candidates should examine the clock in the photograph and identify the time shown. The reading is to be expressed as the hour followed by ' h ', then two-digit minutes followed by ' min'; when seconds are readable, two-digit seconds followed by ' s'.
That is 12 h 39 min
